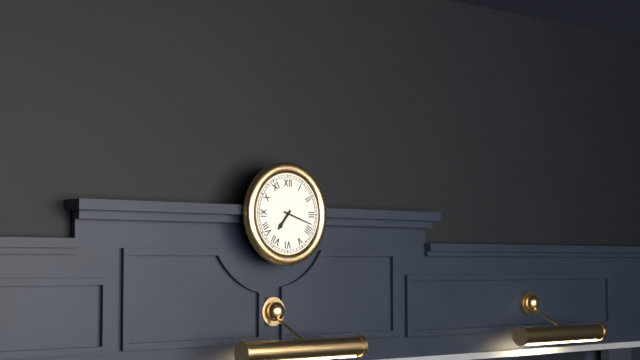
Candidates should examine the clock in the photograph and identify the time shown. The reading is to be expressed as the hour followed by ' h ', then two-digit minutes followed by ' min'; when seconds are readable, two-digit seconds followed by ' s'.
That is 7 h 18 min
